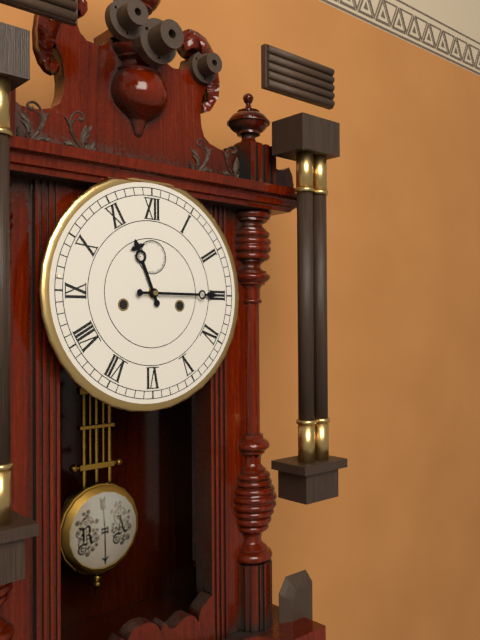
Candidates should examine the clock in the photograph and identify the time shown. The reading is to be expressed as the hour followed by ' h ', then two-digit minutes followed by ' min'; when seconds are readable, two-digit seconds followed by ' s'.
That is 11 h 15 min
